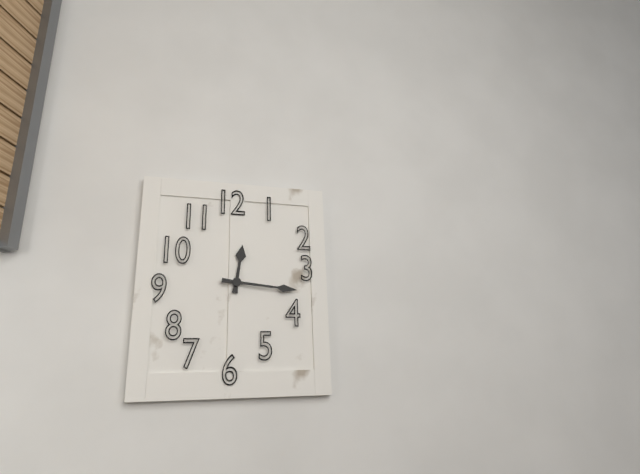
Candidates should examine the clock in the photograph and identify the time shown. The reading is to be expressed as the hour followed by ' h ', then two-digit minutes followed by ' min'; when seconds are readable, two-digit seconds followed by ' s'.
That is 12 h 16 min
